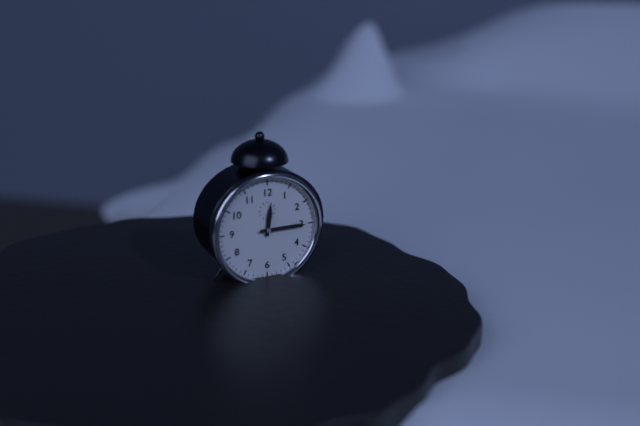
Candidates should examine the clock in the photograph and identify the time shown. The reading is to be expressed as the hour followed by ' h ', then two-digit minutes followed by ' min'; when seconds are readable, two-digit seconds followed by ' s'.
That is 12 h 15 min
